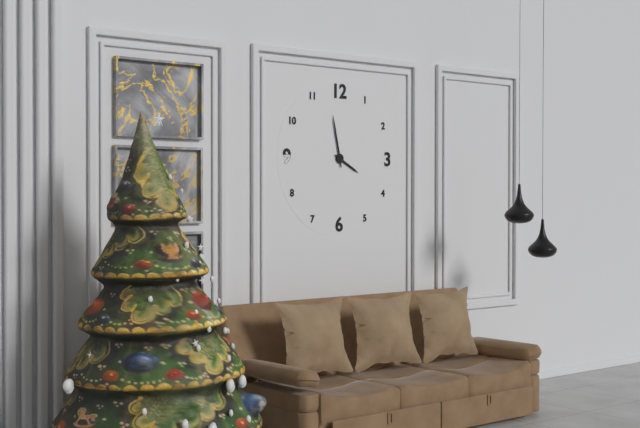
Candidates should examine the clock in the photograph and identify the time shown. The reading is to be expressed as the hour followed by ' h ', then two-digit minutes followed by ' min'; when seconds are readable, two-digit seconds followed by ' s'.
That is 3 h 58 min
